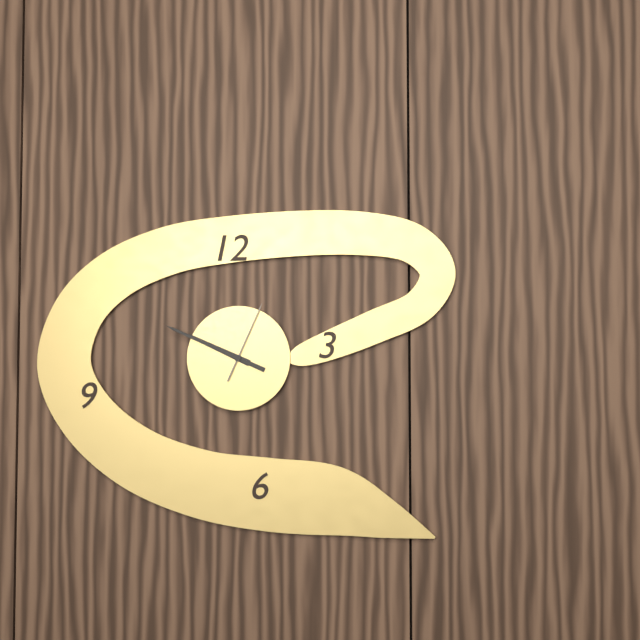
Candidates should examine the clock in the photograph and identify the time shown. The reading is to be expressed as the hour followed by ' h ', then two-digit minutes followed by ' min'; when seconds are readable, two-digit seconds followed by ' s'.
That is 9 h 49 min 04 s
